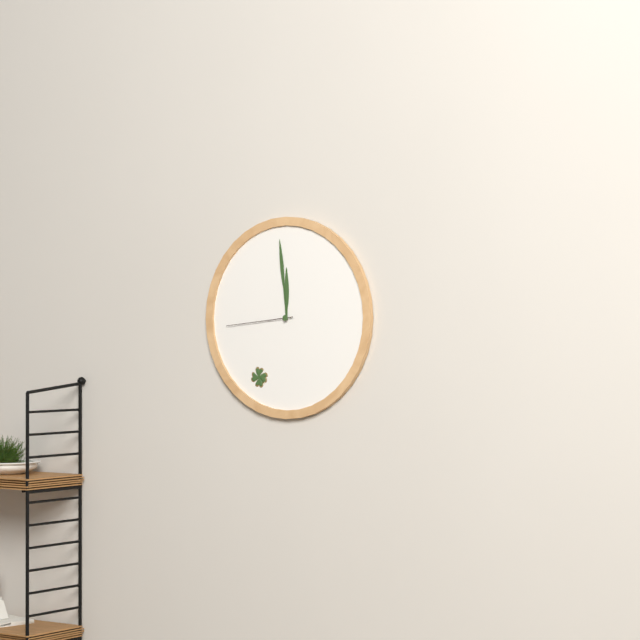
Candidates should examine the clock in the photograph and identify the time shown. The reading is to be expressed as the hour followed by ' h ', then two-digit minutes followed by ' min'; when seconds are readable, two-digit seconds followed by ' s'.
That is 11 h 59 min 44 s
